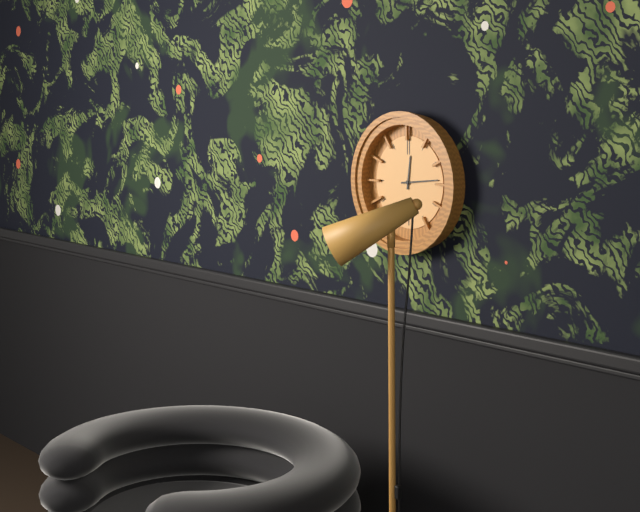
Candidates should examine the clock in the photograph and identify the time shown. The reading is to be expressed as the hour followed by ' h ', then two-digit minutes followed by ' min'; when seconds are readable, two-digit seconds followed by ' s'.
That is 12 h 14 min
